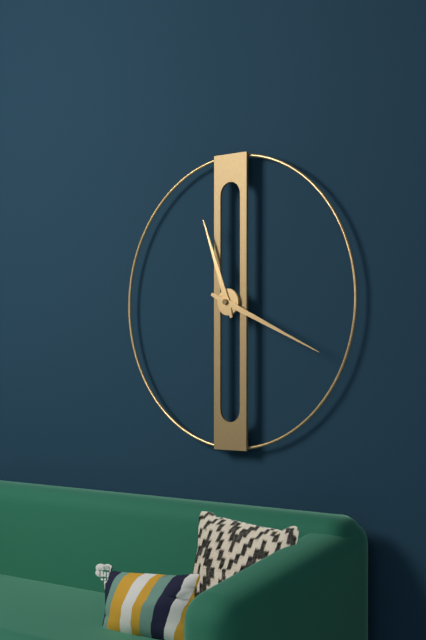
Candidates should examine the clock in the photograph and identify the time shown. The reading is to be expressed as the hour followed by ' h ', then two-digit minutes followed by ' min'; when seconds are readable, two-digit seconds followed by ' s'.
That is 11 h 19 min
